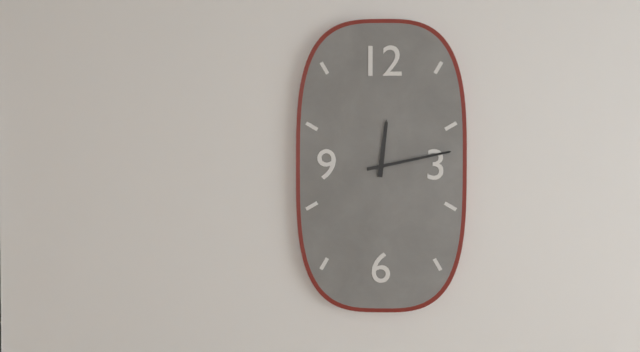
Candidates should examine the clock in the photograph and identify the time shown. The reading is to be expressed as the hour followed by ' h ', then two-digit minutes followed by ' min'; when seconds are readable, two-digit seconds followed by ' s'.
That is 12 h 13 min
